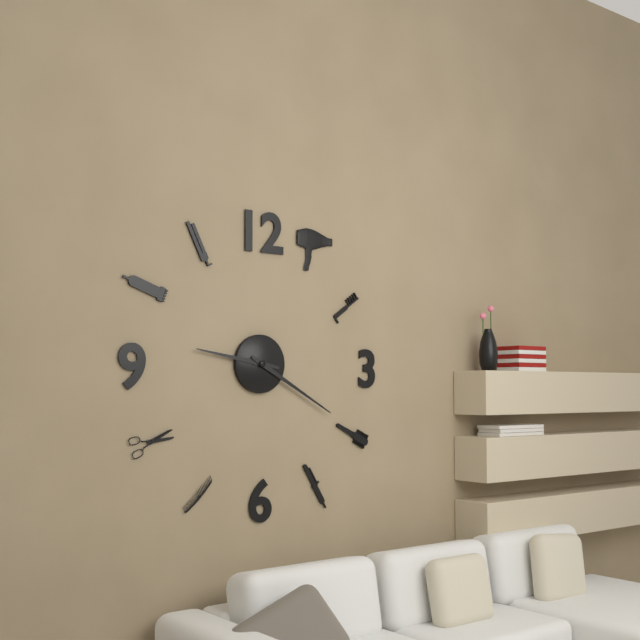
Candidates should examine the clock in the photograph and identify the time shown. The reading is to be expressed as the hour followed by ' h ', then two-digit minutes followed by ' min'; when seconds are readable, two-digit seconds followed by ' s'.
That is 9 h 20 min
